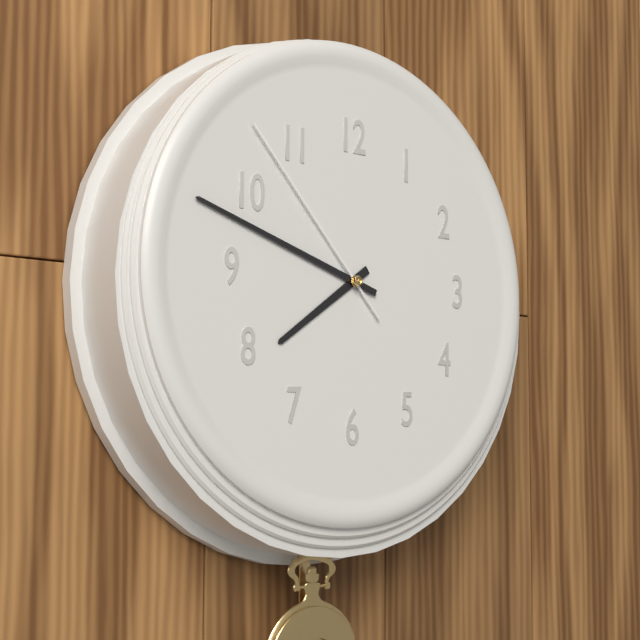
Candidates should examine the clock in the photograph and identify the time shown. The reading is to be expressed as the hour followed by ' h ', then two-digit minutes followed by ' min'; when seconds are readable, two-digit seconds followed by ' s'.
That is 7 h 48 min 53 s
